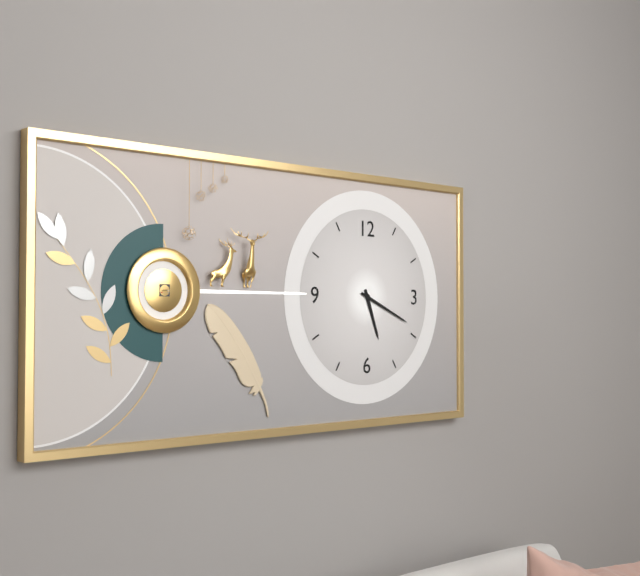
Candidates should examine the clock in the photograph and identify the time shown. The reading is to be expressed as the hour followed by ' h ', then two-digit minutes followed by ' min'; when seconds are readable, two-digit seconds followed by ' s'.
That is 5 h 19 min
